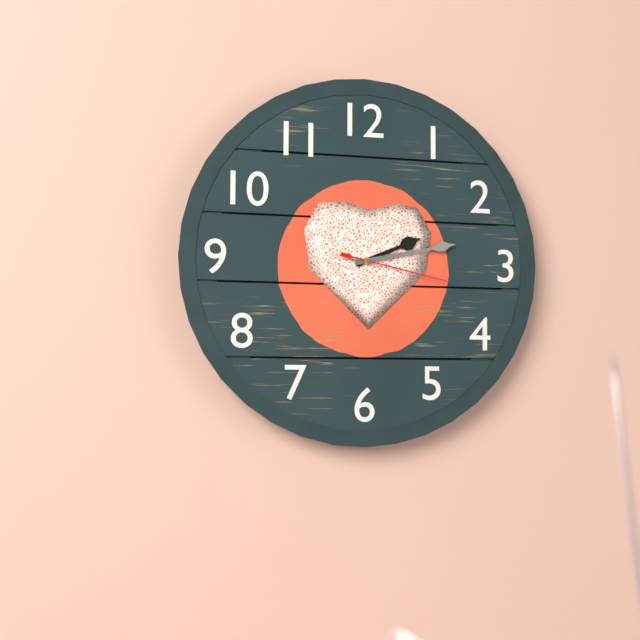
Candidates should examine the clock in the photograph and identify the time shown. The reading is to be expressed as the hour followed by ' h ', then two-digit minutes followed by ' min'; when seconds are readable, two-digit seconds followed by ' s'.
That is 2 h 13 min 17 s
